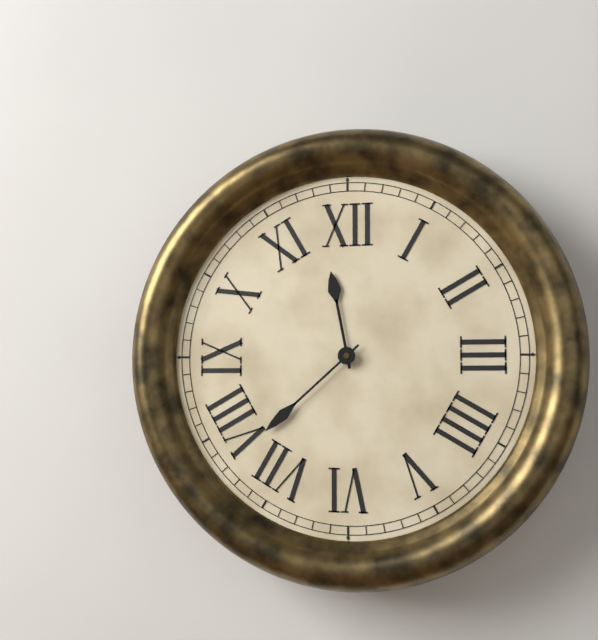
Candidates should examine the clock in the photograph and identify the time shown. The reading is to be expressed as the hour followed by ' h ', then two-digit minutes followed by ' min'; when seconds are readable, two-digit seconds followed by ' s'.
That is 11 h 38 min
